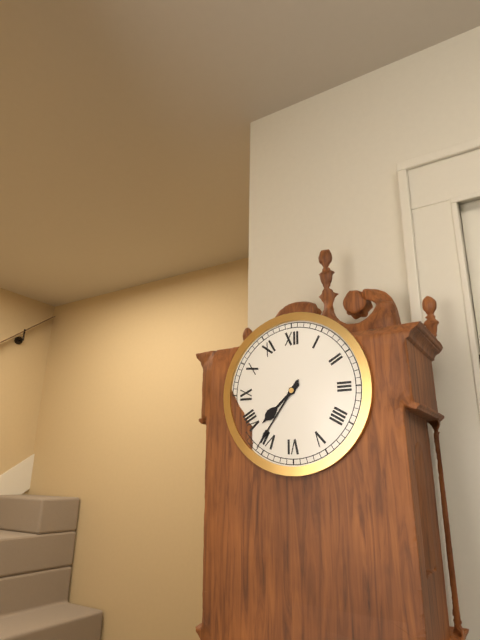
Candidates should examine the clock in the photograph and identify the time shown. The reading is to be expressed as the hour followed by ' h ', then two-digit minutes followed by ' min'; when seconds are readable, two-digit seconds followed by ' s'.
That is 7 h 36 min
